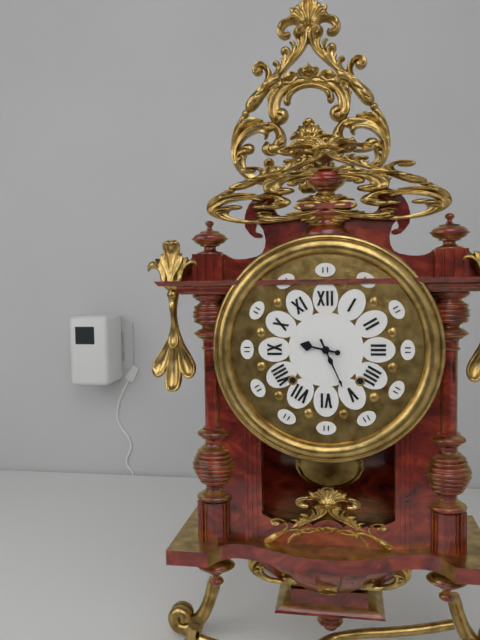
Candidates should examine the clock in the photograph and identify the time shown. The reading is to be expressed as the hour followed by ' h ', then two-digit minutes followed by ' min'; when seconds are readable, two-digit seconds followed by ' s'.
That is 9 h 26 min
